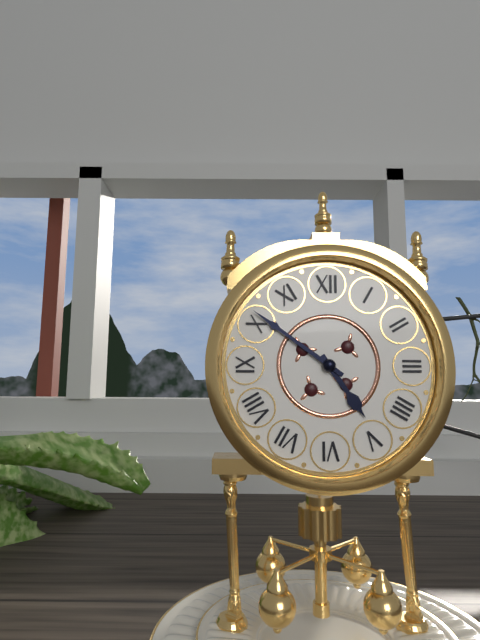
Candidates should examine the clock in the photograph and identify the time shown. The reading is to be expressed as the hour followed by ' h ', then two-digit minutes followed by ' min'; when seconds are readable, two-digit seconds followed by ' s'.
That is 4 h 51 min
